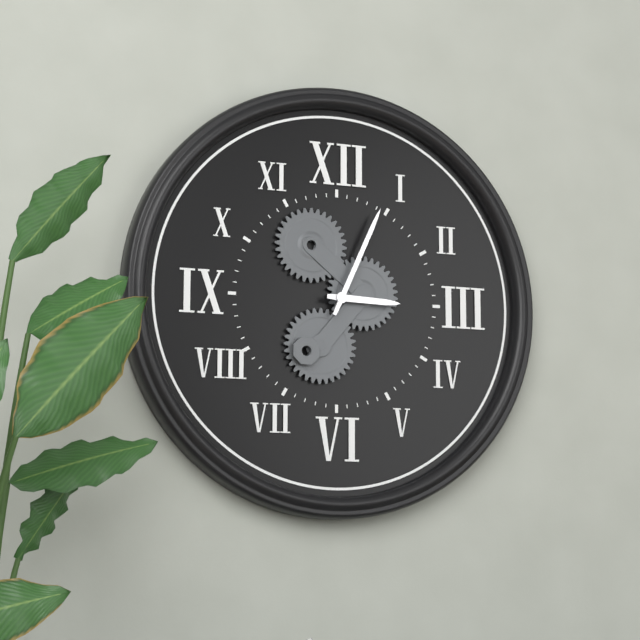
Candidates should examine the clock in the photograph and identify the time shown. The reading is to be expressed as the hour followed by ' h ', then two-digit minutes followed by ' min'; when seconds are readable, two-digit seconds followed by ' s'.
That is 3 h 04 min
